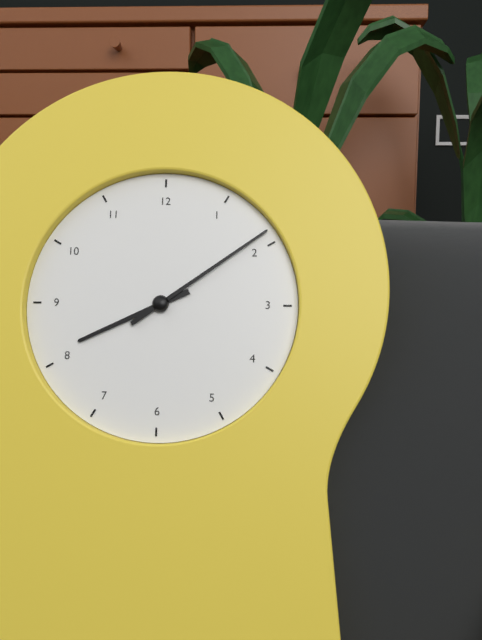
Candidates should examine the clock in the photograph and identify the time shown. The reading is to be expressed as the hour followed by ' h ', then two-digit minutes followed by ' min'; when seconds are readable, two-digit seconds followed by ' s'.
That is 8 h 09 min
